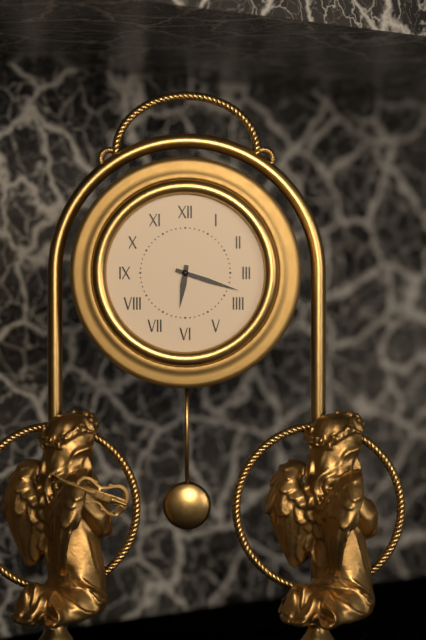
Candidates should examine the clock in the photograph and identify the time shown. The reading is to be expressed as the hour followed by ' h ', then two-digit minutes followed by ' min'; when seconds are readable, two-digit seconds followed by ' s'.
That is 6 h 18 min
